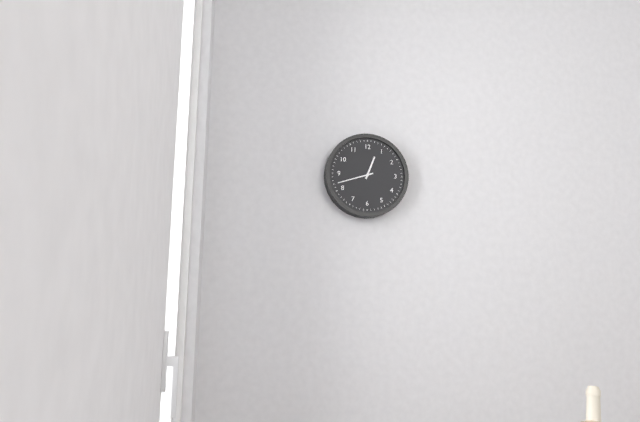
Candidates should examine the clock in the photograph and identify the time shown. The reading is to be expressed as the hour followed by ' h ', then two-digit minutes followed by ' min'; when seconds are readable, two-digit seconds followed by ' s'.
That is 12 h 42 min
